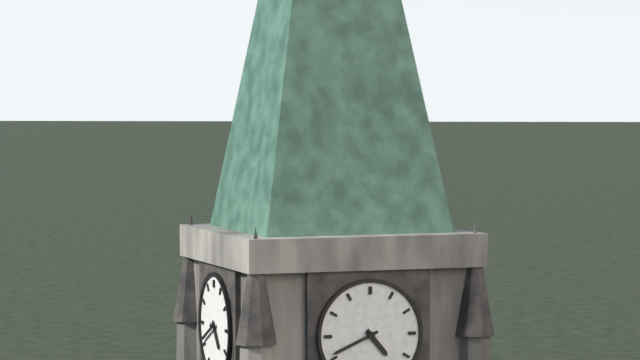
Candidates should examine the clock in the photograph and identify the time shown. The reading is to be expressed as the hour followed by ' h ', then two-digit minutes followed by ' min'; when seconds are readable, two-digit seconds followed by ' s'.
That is 4 h 41 min
